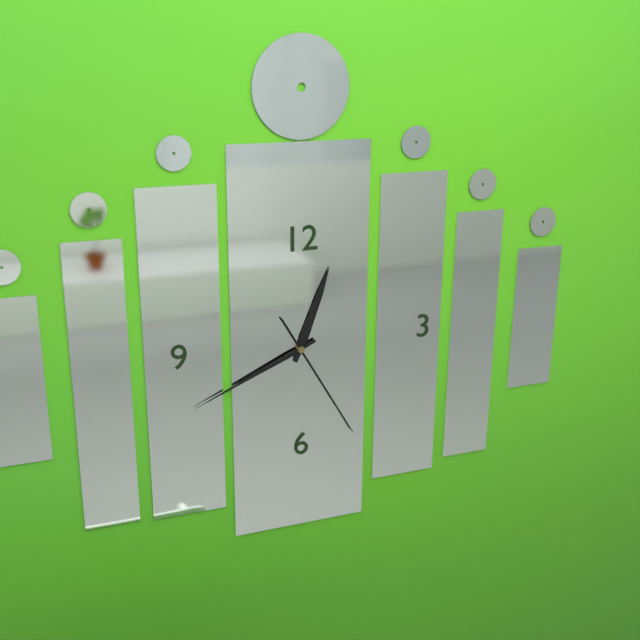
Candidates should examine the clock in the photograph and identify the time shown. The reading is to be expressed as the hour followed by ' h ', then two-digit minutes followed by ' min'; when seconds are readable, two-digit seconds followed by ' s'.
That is 12 h 41 min 25 s
